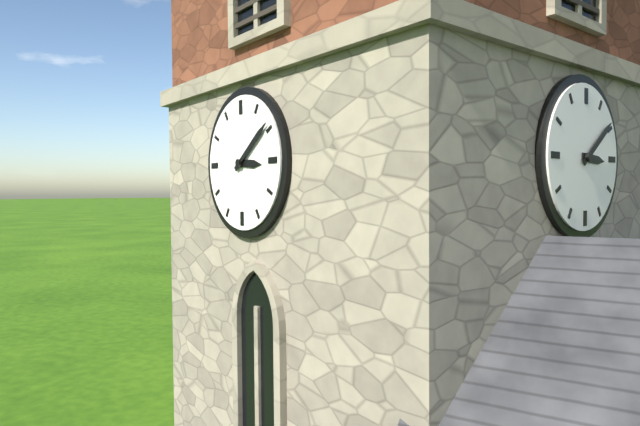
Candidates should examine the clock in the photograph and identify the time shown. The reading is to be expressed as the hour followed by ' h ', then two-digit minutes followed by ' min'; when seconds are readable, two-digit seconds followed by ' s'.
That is 3 h 09 min
